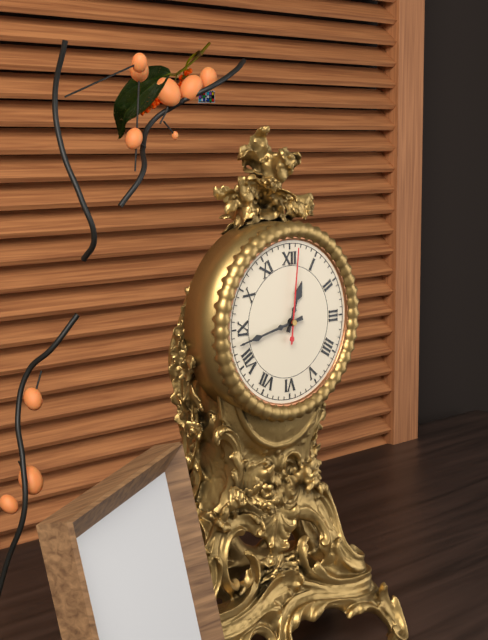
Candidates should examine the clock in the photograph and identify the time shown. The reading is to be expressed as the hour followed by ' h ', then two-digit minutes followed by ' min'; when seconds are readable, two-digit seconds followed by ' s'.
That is 12 h 43 min 01 s
